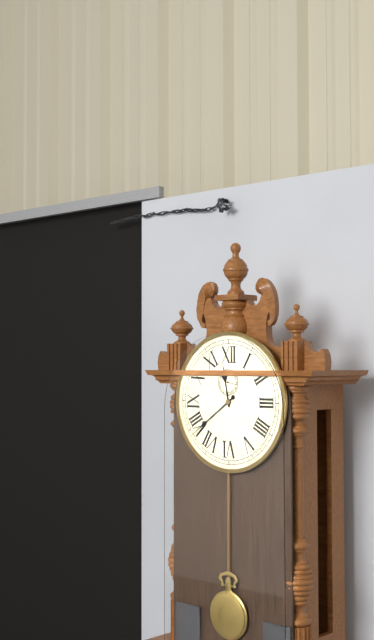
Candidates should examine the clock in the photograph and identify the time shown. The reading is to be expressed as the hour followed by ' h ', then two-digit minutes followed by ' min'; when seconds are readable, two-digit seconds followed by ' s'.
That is 11 h 39 min
